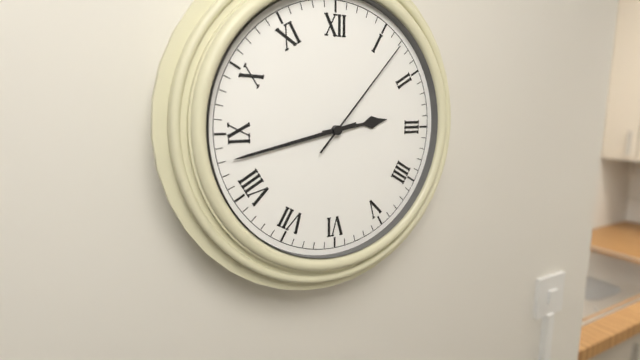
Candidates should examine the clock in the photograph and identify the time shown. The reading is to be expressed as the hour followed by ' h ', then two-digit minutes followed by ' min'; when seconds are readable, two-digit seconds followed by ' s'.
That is 2 h 43 min 07 s
